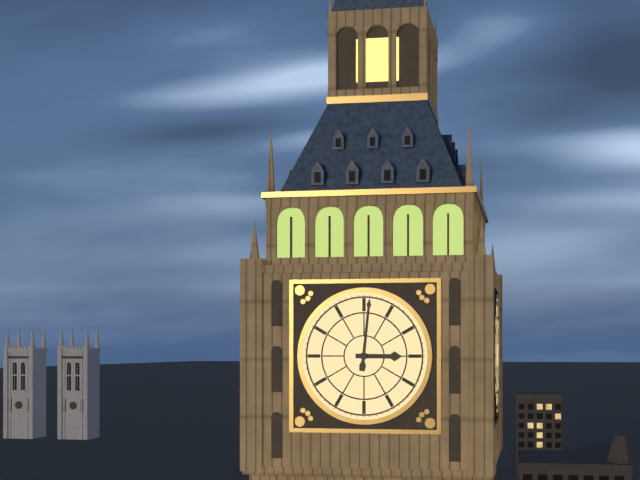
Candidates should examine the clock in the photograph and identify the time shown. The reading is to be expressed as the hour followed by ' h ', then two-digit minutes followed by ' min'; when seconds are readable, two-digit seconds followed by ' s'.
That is 3 h 01 min
